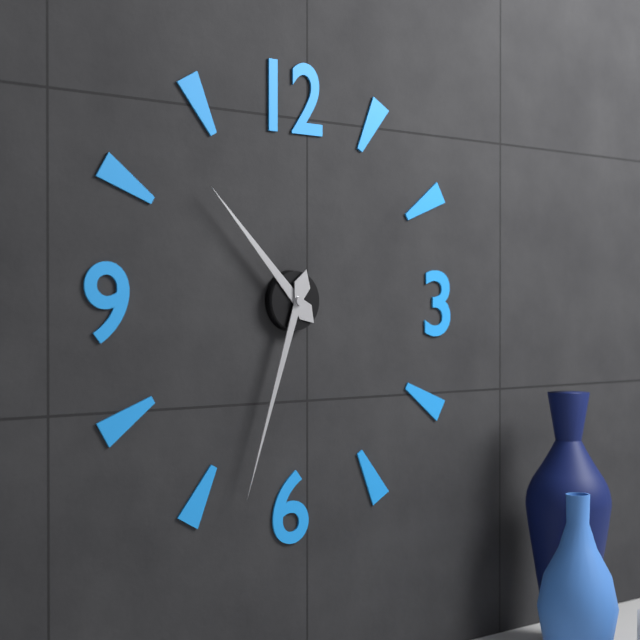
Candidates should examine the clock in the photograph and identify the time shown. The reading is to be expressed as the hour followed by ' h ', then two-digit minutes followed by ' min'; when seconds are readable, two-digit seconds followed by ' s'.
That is 10 h 33 min
